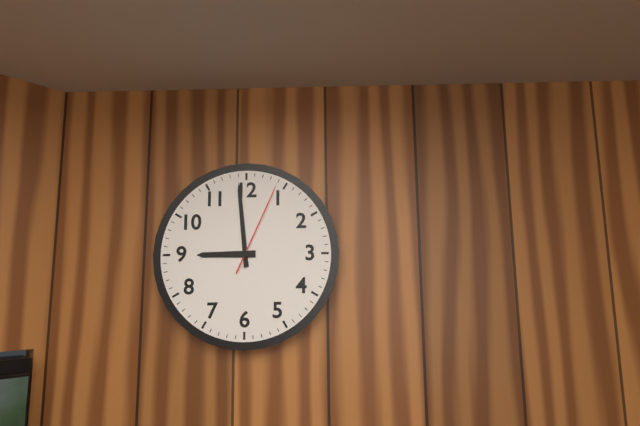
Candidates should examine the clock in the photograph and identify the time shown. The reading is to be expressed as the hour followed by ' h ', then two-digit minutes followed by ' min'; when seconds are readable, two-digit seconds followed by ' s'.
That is 8 h 59 min 04 s
